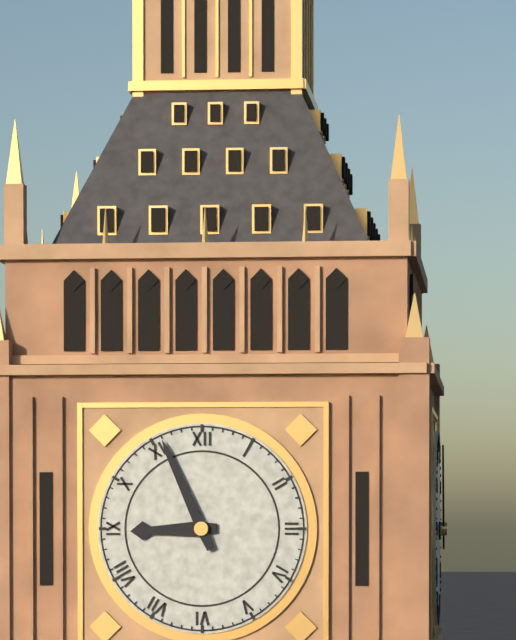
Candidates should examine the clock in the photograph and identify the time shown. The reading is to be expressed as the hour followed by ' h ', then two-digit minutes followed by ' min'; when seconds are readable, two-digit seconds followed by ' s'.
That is 8 h 56 min
